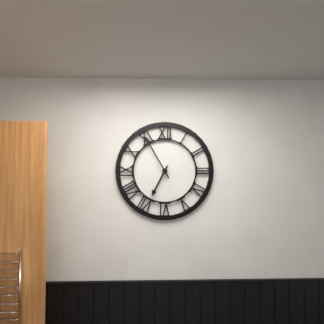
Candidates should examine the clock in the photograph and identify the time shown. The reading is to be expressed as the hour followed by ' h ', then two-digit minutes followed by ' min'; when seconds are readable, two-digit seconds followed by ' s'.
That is 6 h 55 min
